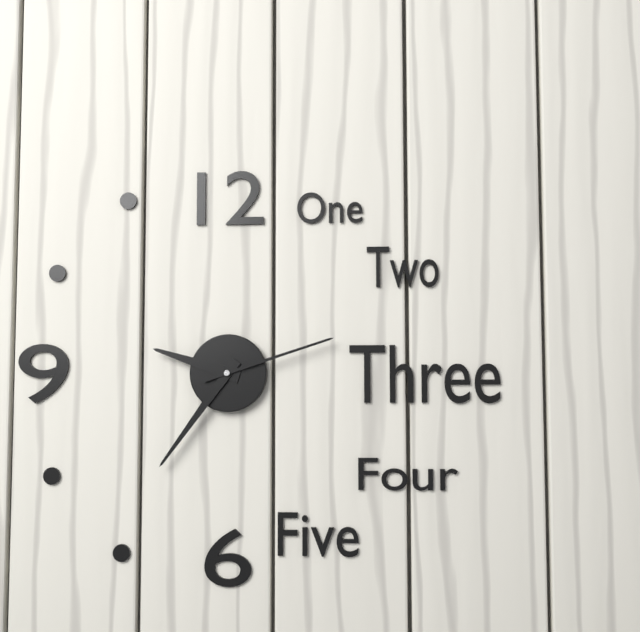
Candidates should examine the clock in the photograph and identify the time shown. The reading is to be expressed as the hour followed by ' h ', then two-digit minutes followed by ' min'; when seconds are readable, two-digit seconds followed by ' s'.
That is 9 h 36 min 12 s
